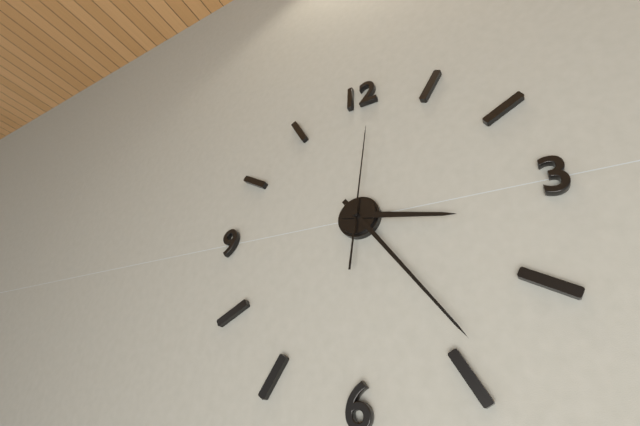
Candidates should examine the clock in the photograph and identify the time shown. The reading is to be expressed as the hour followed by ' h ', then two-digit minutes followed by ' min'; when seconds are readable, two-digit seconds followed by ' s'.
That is 3 h 24 min 01 s
